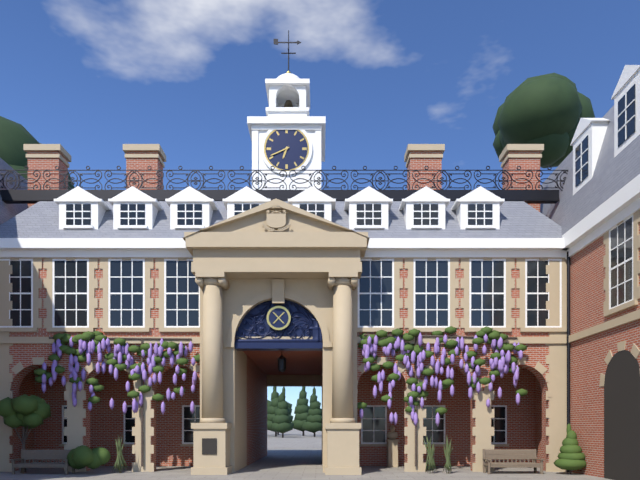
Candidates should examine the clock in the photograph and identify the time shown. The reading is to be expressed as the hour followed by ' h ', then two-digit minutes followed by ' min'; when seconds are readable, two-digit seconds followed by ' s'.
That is 6 h 41 min
